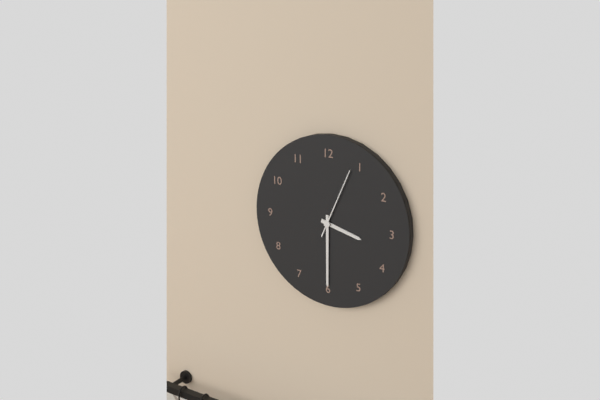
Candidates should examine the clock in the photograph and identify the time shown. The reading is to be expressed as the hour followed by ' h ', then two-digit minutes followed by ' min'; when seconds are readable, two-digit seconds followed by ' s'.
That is 3 h 30 min 04 s
